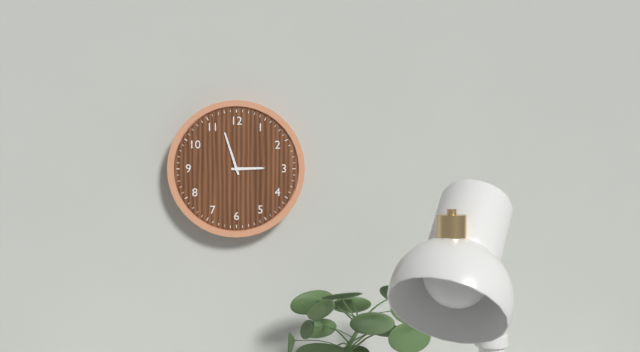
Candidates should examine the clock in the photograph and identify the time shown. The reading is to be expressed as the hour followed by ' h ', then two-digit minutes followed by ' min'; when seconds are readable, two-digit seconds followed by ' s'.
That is 2 h 57 min
